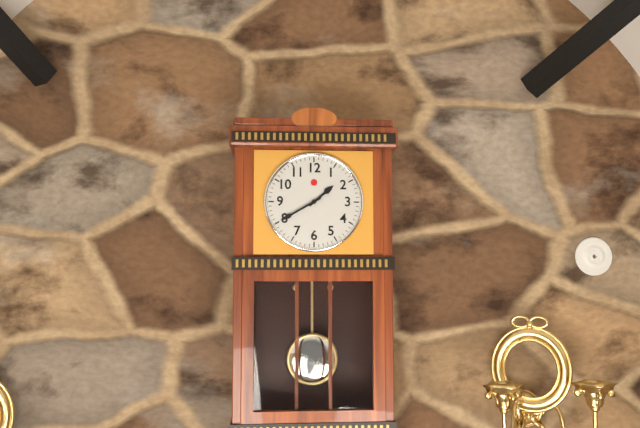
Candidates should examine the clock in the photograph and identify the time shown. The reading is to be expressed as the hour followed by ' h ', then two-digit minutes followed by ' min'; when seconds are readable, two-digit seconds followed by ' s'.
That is 1 h 40 min
